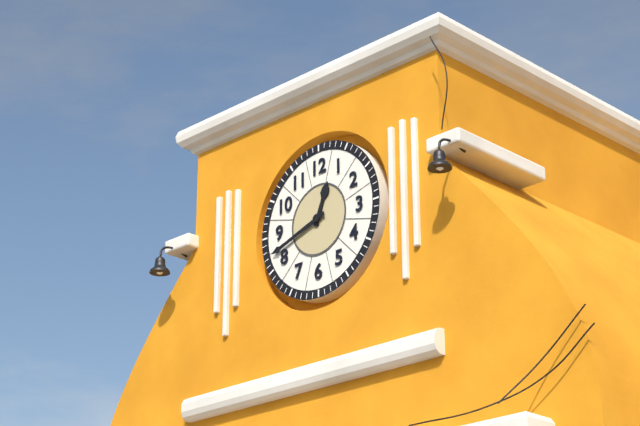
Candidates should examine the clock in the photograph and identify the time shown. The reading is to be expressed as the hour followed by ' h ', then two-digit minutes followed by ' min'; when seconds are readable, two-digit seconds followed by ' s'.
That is 12 h 42 min
